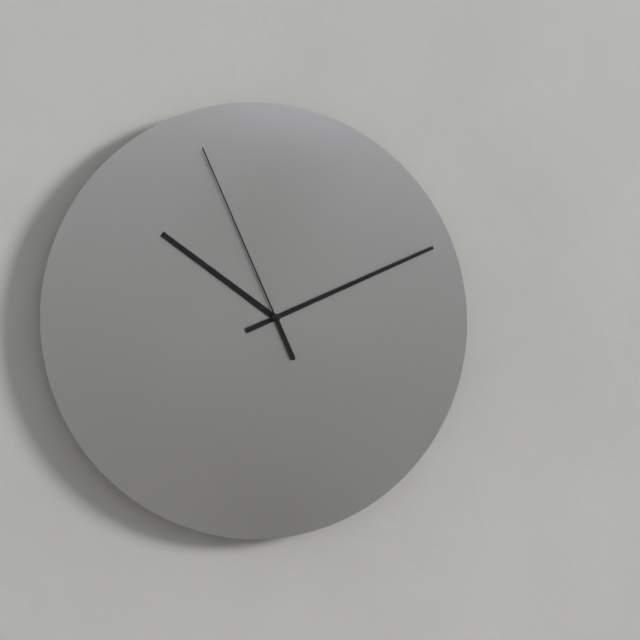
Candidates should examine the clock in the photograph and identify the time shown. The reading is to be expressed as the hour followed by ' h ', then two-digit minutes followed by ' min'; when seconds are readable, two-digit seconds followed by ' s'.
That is 10 h 11 min 56 s
